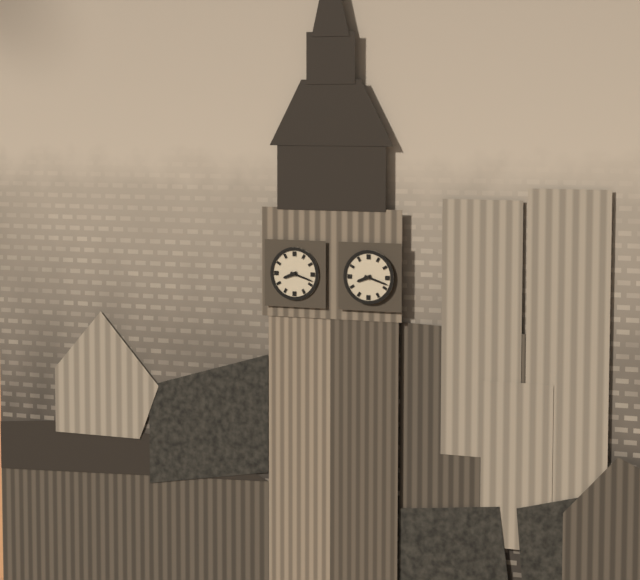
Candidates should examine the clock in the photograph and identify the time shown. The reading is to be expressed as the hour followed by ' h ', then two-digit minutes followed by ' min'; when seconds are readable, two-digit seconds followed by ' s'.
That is 8 h 18 min
